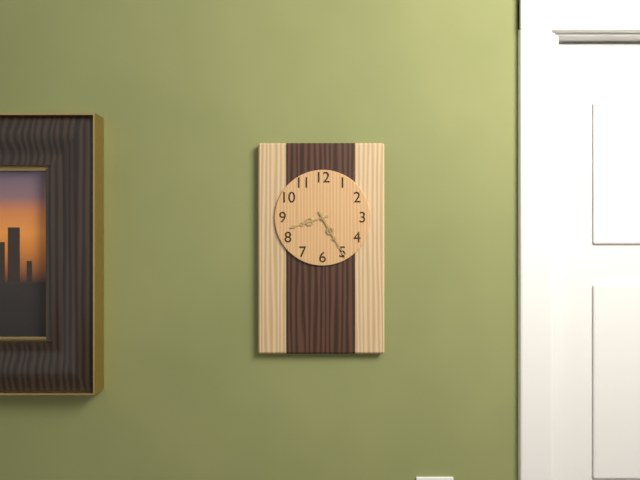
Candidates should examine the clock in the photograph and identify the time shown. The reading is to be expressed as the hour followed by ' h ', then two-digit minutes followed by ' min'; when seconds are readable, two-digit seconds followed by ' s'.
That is 8 h 25 min
